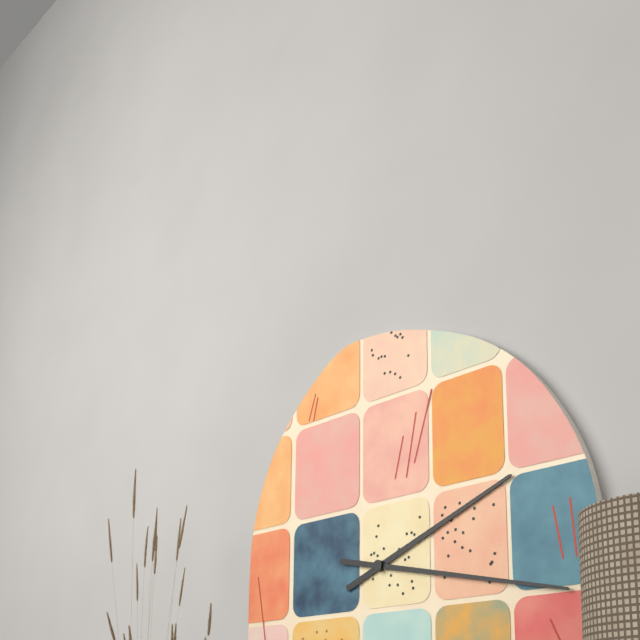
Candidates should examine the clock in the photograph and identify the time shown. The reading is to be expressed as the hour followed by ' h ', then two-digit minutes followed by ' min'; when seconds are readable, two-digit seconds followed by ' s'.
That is 2 h 17 min
